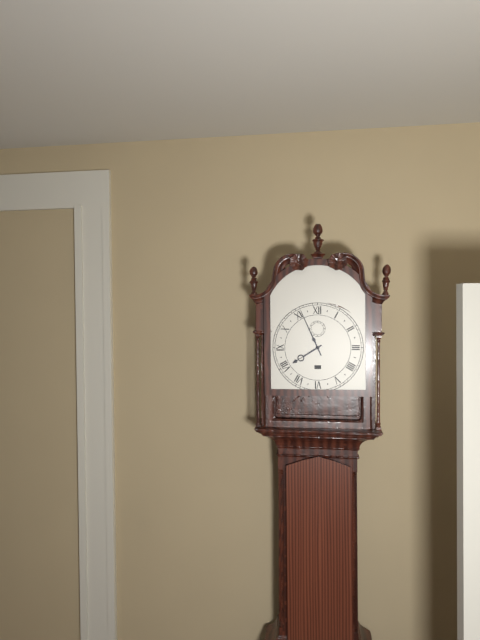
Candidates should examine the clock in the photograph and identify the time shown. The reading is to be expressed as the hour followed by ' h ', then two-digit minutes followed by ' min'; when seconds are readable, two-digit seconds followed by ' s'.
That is 7 h 56 min
